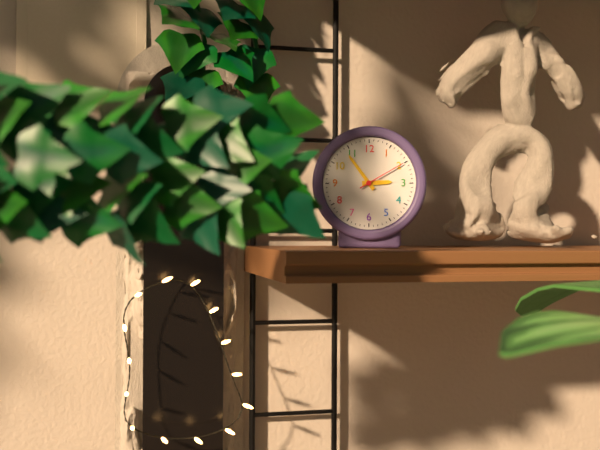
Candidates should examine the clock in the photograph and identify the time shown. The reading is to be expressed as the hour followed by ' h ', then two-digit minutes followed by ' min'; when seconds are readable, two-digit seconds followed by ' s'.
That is 2 h 54 min
